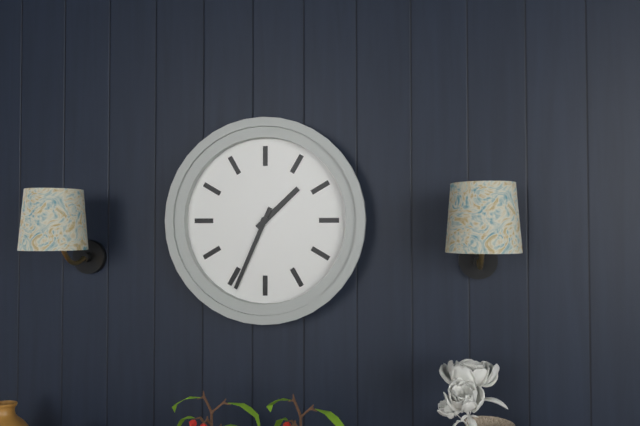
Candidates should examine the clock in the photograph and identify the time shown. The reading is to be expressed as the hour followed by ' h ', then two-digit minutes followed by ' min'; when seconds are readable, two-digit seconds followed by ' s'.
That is 1 h 34 min
